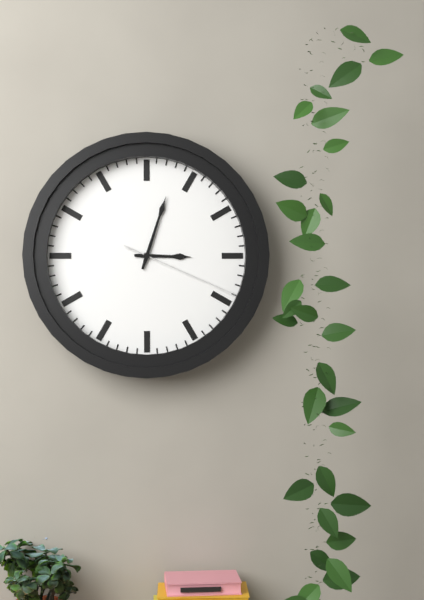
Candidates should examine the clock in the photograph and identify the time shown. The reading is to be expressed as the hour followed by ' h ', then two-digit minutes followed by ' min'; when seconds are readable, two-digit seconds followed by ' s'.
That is 3 h 03 min 19 s
